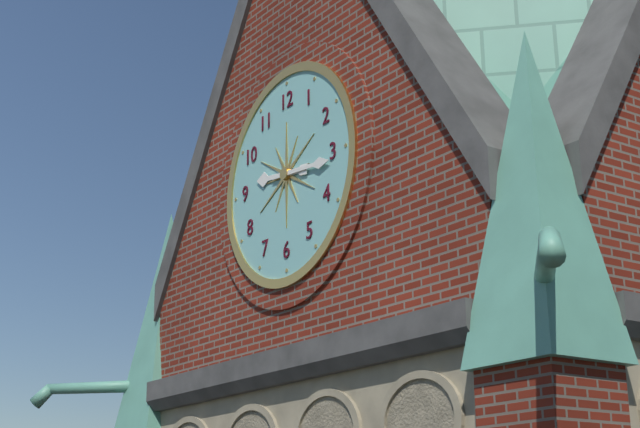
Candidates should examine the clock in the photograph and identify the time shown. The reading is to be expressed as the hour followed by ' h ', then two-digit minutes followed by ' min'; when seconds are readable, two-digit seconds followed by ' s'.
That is 9 h 16 min
